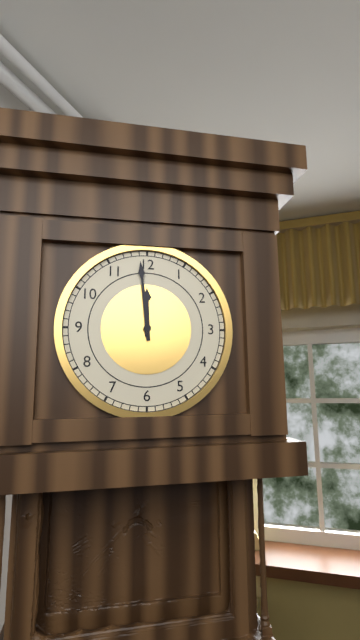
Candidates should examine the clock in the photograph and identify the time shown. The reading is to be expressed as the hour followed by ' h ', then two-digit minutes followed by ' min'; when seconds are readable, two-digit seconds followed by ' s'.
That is 11 h 59 min
